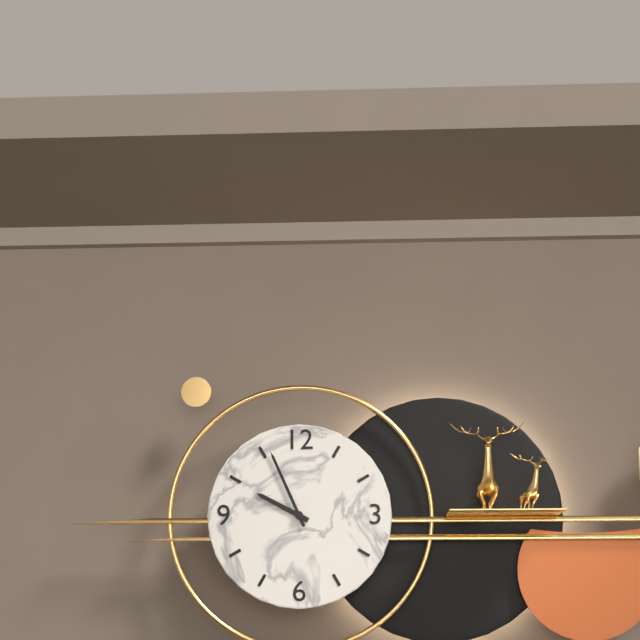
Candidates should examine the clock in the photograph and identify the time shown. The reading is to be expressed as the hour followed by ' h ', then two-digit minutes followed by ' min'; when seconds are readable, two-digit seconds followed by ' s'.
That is 9 h 56 min
